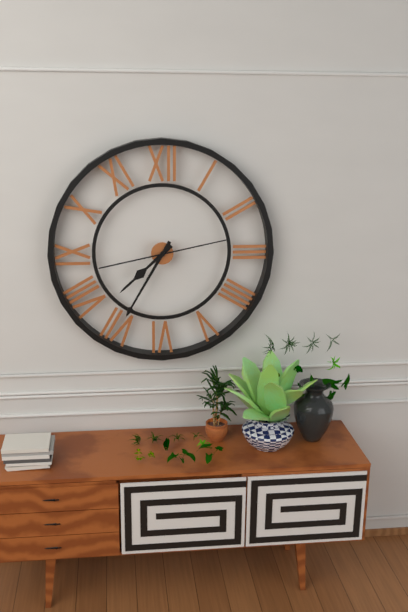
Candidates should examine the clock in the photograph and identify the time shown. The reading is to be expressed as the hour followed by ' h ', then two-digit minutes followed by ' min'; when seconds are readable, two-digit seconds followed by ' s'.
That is 7 h 35 min 13 s
